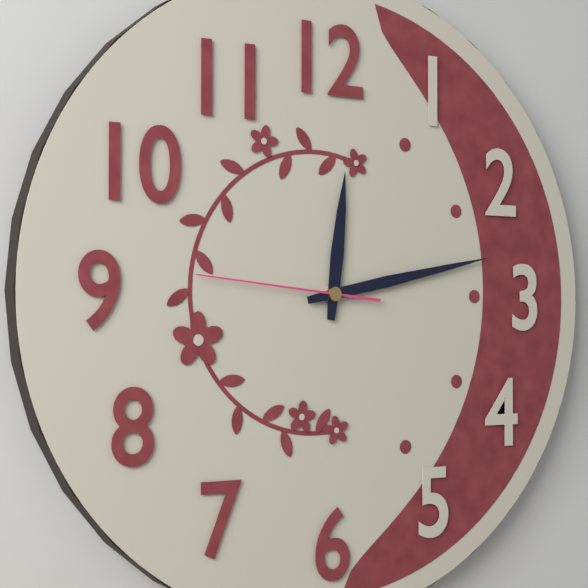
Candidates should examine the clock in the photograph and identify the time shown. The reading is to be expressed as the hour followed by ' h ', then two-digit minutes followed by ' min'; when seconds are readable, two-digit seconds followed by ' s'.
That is 12 h 13 min 46 s
